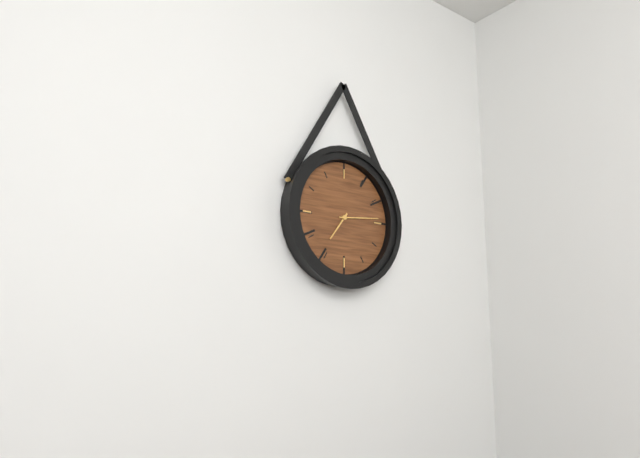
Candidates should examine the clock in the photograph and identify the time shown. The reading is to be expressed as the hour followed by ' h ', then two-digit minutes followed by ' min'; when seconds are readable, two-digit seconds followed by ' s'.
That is 7 h 14 min
